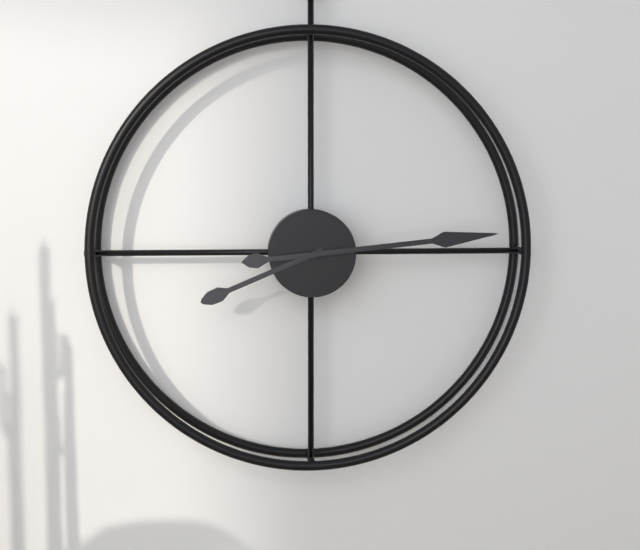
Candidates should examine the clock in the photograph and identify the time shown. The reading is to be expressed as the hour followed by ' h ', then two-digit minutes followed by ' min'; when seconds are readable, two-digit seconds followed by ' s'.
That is 8 h 14 min
